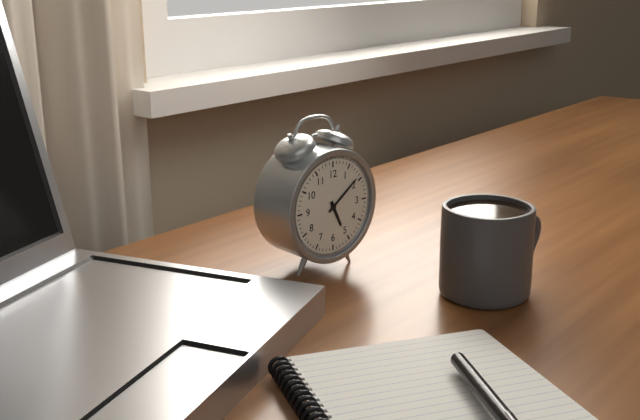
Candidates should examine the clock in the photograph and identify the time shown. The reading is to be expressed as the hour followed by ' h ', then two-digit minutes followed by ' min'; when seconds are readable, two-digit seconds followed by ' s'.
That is 5 h 09 min
